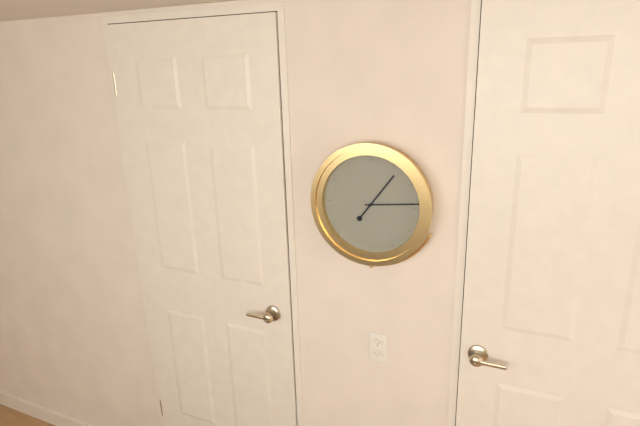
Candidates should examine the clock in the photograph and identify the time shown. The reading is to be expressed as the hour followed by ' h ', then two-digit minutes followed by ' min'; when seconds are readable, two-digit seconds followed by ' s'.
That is 1 h 14 min
